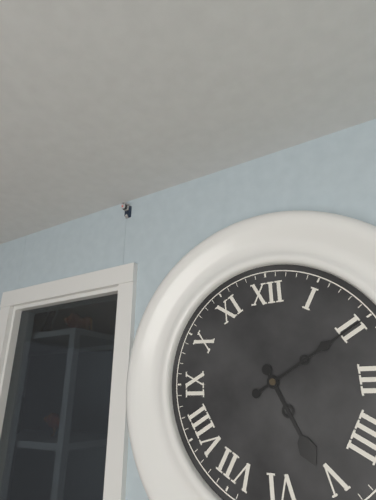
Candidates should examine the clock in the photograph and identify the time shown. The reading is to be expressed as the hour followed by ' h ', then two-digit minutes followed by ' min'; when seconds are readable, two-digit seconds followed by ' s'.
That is 5 h 10 min
